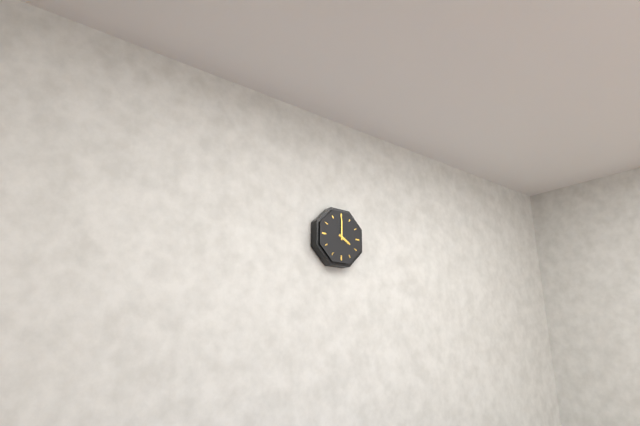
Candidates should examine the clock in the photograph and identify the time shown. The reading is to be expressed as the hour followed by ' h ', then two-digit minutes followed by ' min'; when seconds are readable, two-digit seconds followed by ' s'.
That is 4 h 00 min
